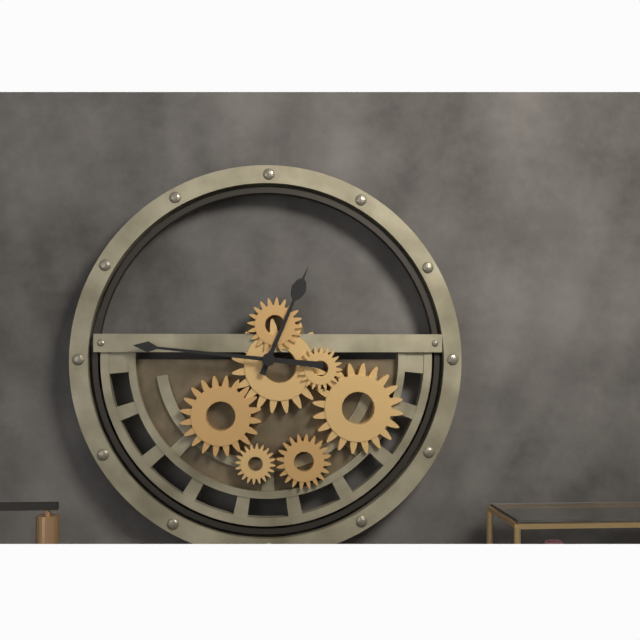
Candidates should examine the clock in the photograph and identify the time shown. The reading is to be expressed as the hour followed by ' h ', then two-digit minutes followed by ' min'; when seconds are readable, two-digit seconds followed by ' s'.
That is 12 h 46 min
